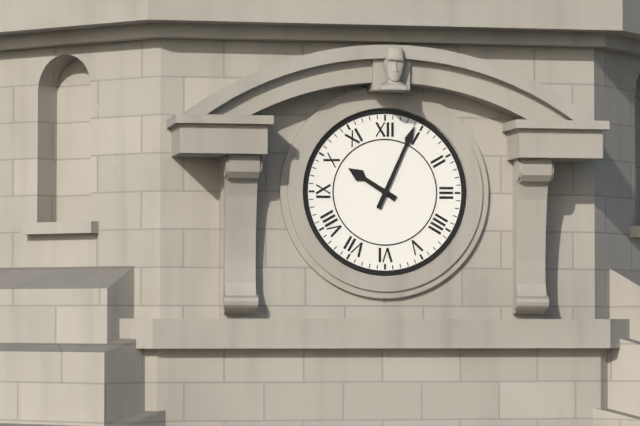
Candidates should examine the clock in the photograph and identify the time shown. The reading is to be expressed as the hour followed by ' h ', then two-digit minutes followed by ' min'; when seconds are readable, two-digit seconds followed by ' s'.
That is 10 h 04 min
